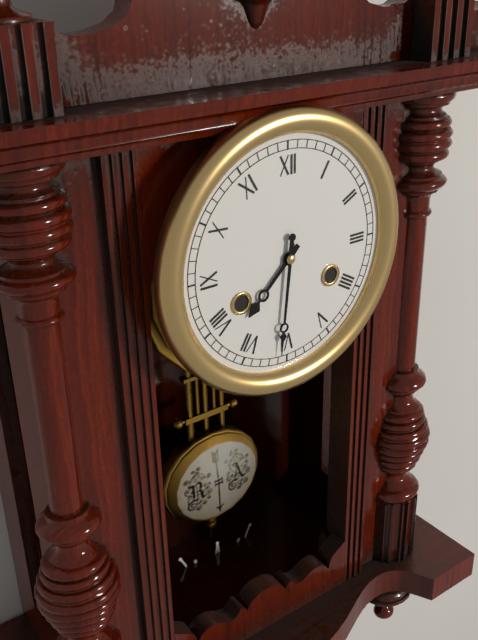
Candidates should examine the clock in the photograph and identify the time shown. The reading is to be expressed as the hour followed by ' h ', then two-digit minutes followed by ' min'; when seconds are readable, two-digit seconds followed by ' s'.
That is 7 h 31 min
